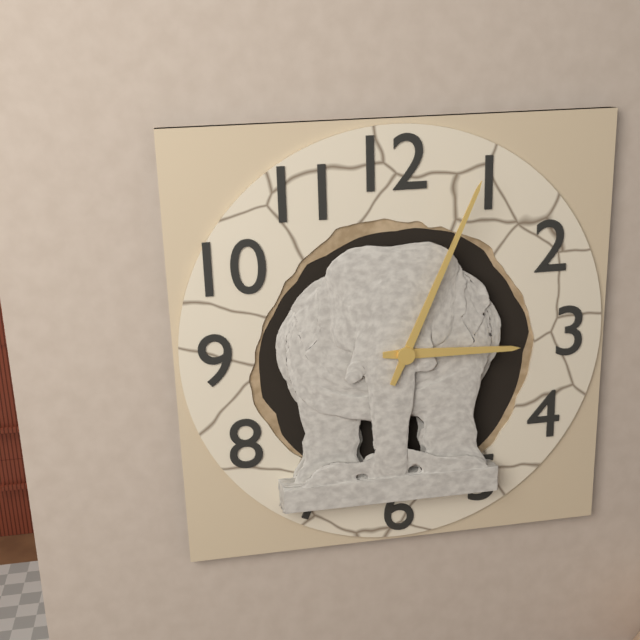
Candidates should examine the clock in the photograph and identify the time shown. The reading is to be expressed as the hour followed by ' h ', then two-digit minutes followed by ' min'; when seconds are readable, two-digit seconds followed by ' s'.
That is 3 h 04 min
